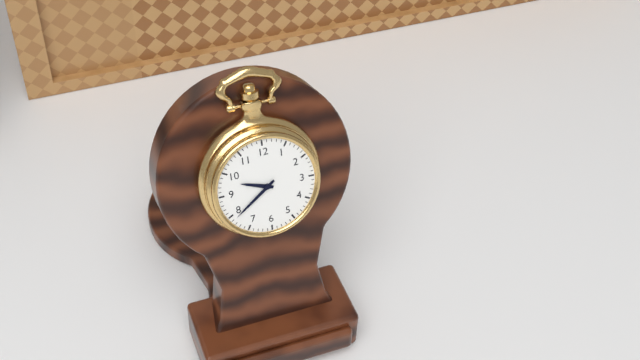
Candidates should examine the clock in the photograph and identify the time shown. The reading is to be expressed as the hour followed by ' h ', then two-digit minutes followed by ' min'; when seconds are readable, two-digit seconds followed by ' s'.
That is 9 h 39 min
